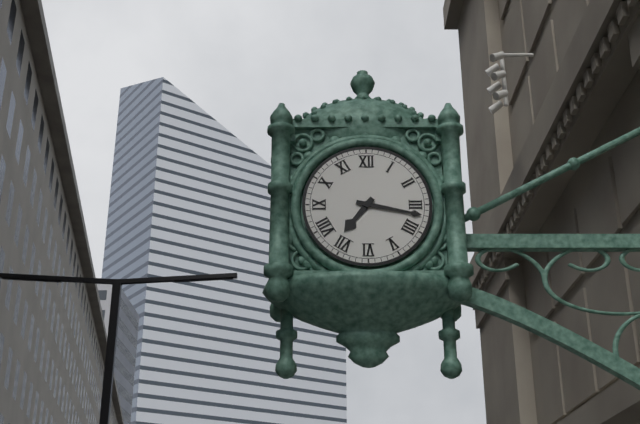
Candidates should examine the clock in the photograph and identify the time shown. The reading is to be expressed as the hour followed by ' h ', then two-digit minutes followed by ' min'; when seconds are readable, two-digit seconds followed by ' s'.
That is 7 h 17 min
